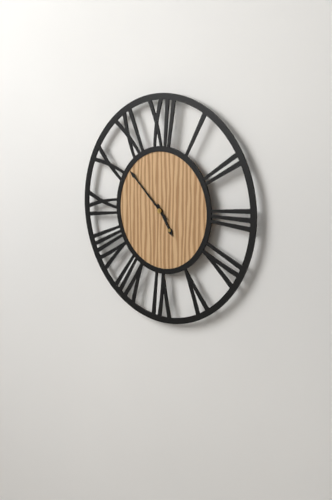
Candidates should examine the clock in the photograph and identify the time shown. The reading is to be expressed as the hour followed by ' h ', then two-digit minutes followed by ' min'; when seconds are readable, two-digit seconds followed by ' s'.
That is 4 h 52 min
